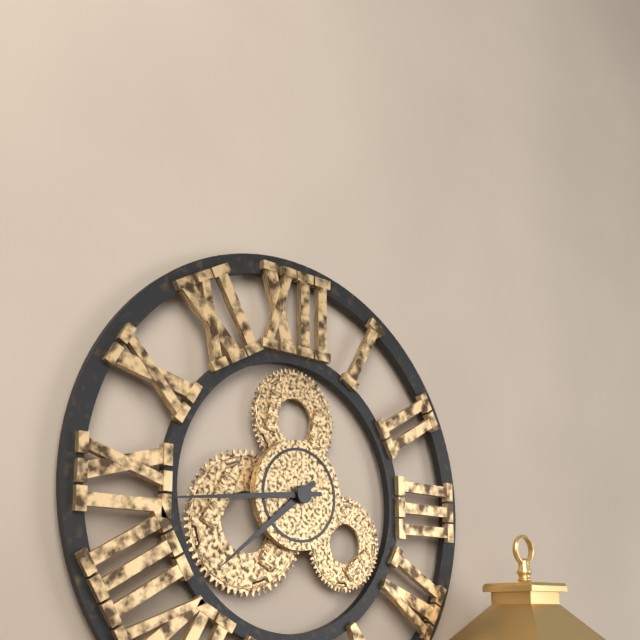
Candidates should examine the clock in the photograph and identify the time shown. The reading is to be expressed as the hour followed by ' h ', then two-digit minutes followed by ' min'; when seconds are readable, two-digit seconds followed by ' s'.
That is 7 h 44 min
